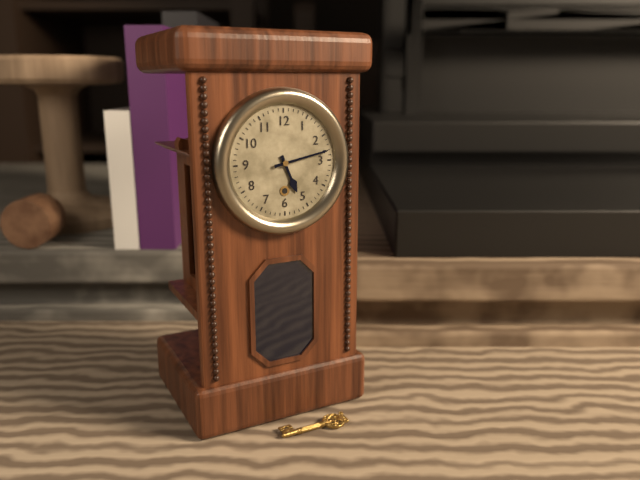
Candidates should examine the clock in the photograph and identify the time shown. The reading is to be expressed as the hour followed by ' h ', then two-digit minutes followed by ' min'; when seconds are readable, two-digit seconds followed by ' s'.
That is 5 h 13 min
